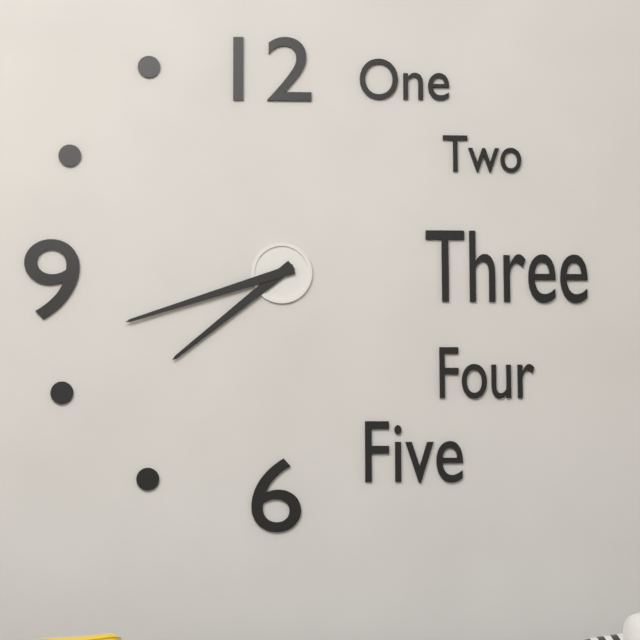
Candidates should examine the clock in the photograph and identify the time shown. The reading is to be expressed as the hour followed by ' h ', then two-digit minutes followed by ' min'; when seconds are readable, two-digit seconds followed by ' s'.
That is 7 h 42 min
